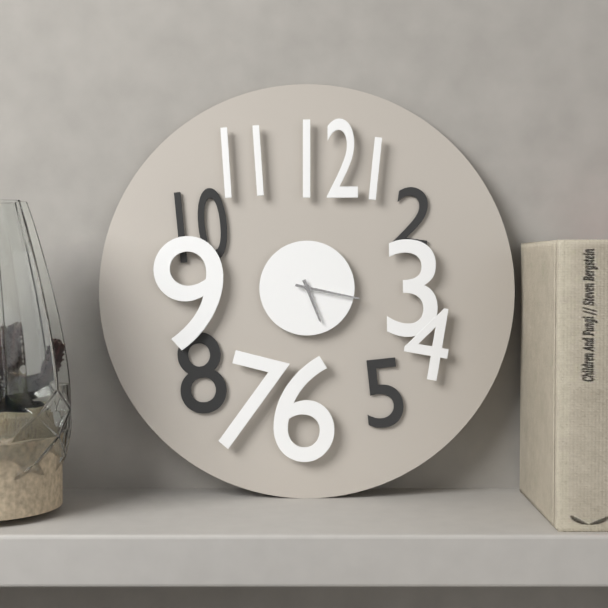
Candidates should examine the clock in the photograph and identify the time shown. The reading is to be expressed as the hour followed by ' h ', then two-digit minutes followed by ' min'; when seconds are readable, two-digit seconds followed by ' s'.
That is 5 h 17 min
